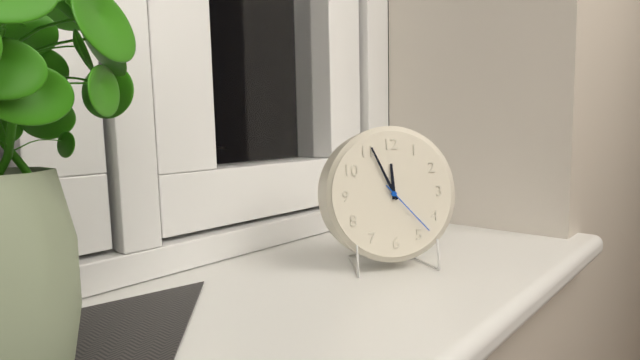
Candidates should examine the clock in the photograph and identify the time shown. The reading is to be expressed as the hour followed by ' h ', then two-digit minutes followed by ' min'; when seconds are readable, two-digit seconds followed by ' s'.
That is 11 h 56 min 23 s
